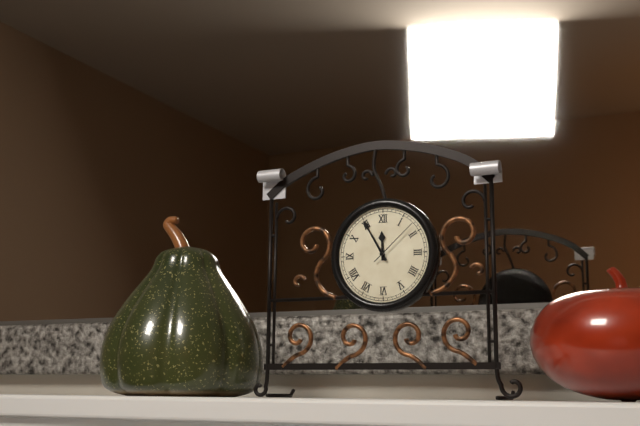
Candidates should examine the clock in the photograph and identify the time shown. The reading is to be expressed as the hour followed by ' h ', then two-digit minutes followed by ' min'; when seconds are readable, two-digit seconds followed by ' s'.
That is 11 h 55 min 08 s
